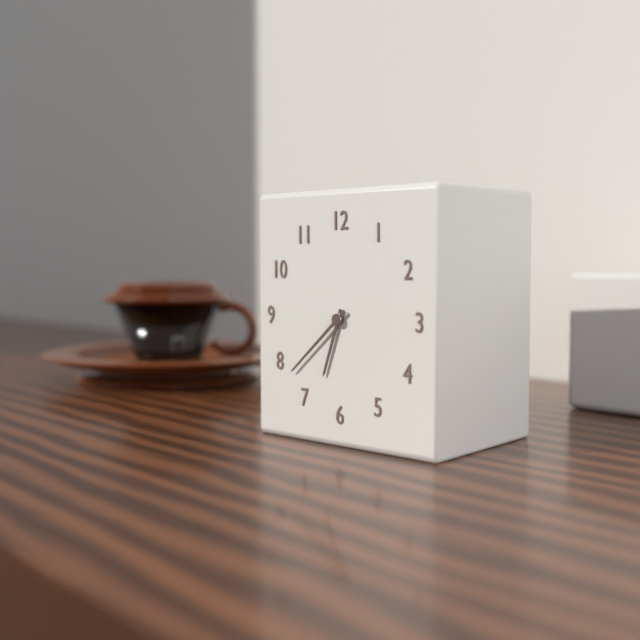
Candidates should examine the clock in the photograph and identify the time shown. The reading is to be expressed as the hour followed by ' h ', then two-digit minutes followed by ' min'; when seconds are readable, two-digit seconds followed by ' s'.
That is 6 h 38 min
